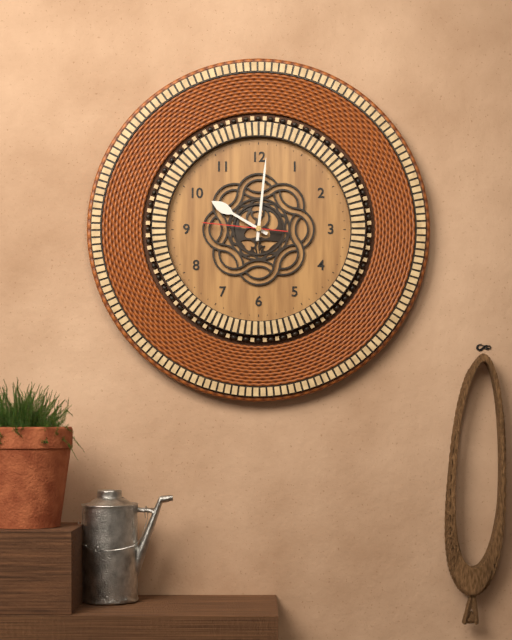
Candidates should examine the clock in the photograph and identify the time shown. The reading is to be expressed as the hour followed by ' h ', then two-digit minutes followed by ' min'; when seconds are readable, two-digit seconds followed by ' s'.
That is 10 h 01 min 46 s
